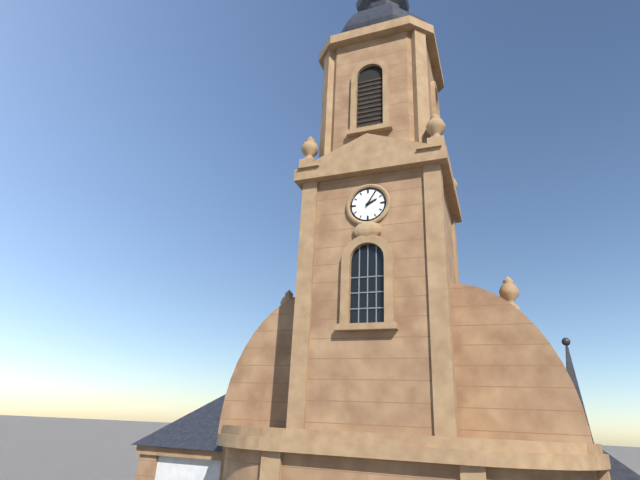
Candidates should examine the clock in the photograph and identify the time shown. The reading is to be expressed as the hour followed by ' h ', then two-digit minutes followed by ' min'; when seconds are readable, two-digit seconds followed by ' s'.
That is 2 h 05 min
